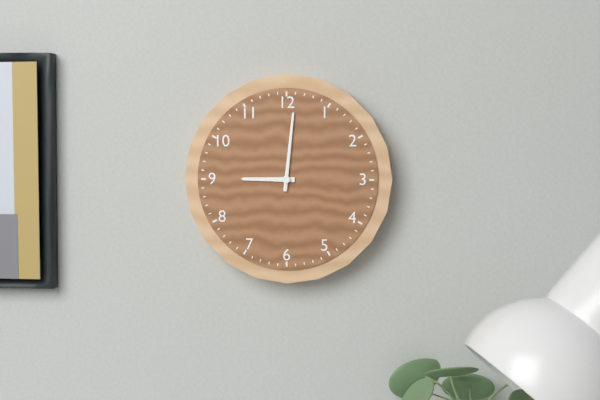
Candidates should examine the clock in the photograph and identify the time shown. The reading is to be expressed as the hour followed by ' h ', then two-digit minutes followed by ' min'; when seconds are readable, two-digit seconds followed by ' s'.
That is 9 h 01 min
